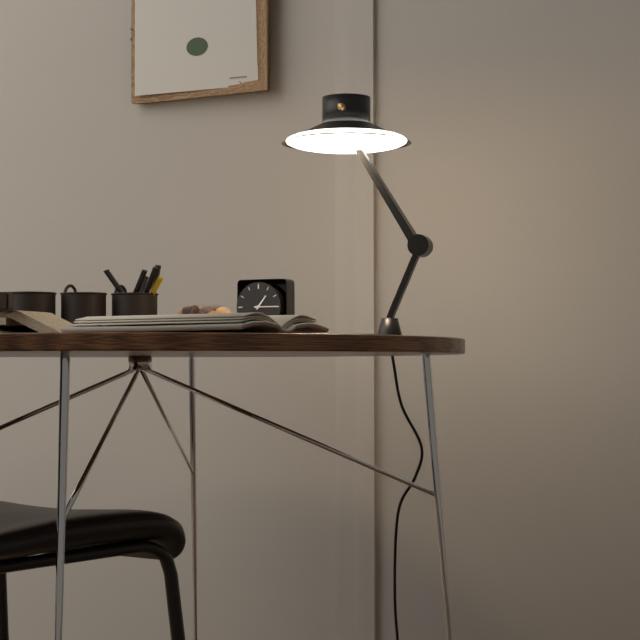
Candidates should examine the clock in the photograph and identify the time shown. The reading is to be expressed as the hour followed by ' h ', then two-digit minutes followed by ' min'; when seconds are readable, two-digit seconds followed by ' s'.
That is 1 h 15 min
